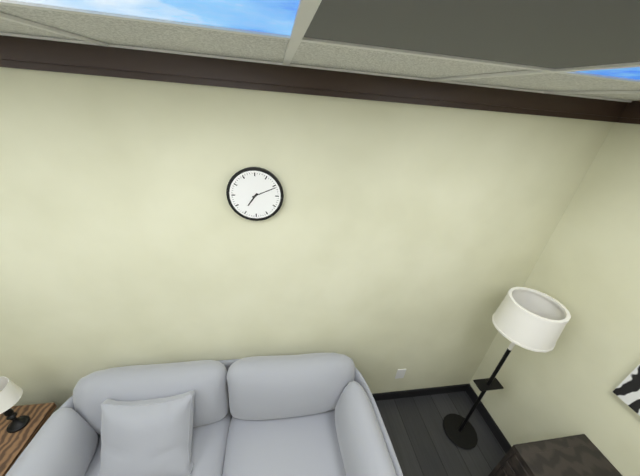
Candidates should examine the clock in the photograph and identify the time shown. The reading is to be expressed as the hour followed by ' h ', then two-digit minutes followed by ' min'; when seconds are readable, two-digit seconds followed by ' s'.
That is 7 h 11 min
